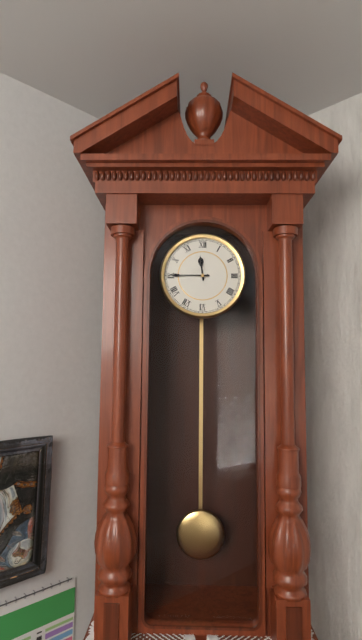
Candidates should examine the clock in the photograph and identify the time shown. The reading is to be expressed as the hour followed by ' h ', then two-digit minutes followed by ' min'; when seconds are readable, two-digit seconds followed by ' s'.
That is 11 h 45 min
